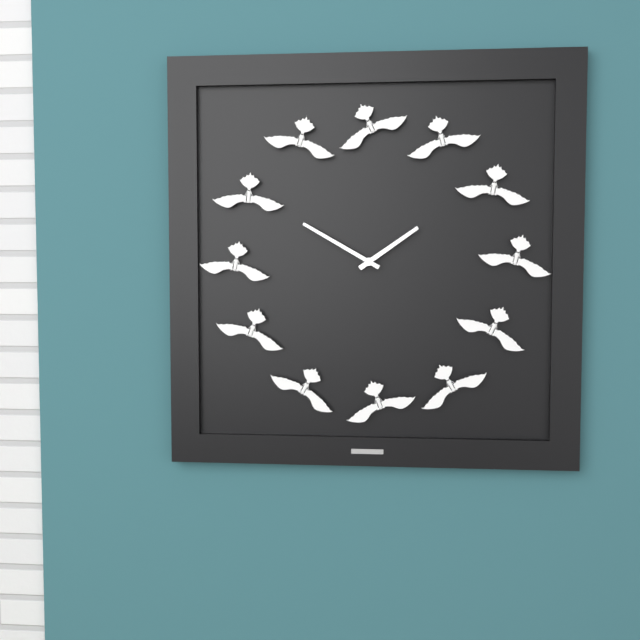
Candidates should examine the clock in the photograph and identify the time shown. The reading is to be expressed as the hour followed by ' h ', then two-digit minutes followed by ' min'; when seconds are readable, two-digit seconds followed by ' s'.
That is 1 h 50 min
